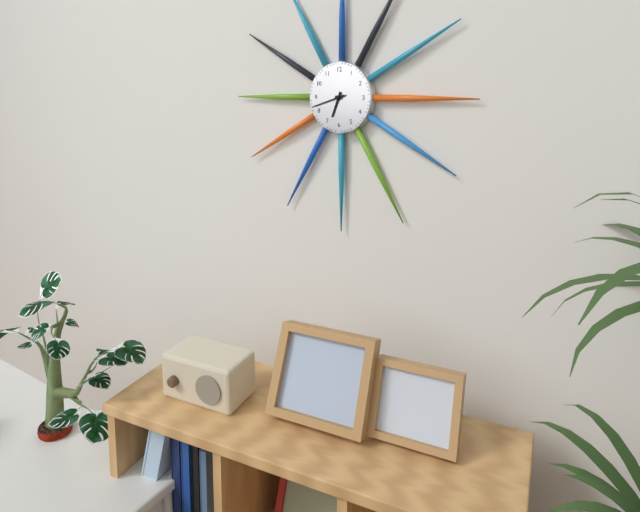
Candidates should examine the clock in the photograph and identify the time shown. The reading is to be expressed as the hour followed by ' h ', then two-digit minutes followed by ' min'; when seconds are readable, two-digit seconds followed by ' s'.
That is 6 h 42 min
